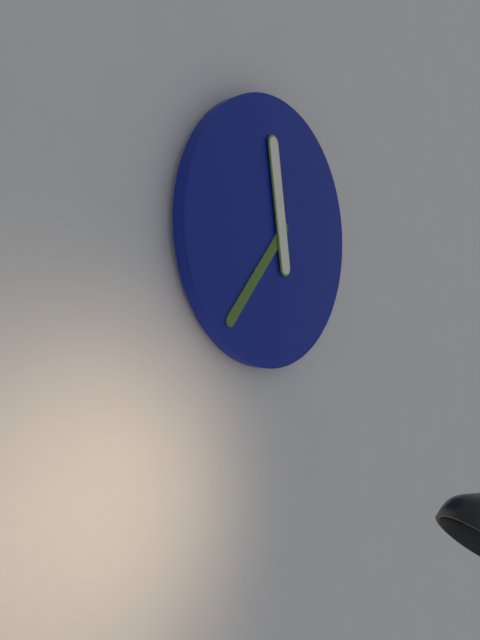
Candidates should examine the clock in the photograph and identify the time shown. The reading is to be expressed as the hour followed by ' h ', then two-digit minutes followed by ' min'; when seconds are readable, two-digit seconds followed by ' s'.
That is 11 h 37 min
